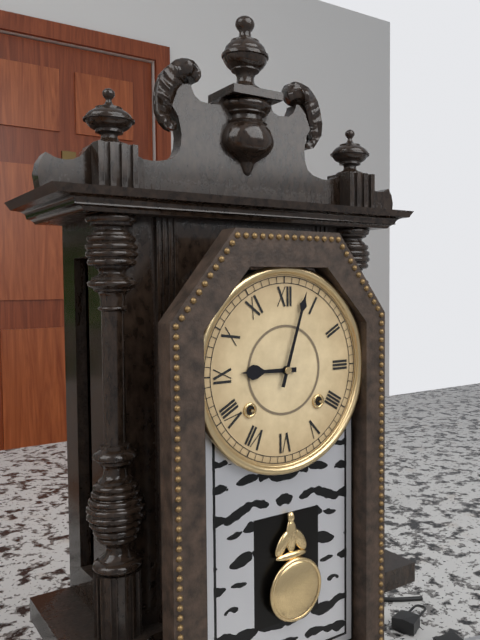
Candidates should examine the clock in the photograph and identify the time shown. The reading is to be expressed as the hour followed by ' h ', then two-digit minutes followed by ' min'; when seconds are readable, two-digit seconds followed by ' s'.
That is 9 h 03 min
